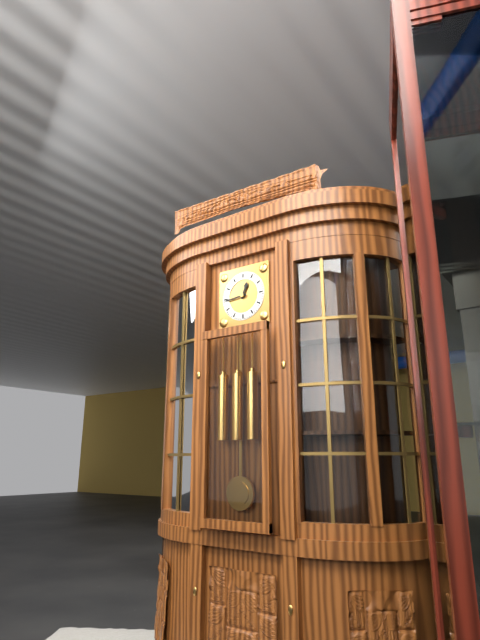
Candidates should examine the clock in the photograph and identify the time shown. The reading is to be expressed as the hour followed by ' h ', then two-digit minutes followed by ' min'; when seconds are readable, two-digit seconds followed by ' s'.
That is 12 h 44 min
